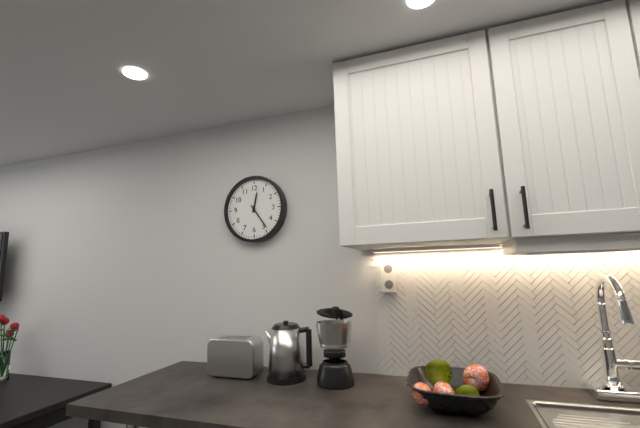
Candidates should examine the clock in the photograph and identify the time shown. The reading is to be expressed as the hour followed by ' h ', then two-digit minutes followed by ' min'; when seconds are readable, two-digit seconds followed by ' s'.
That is 12 h 24 min
